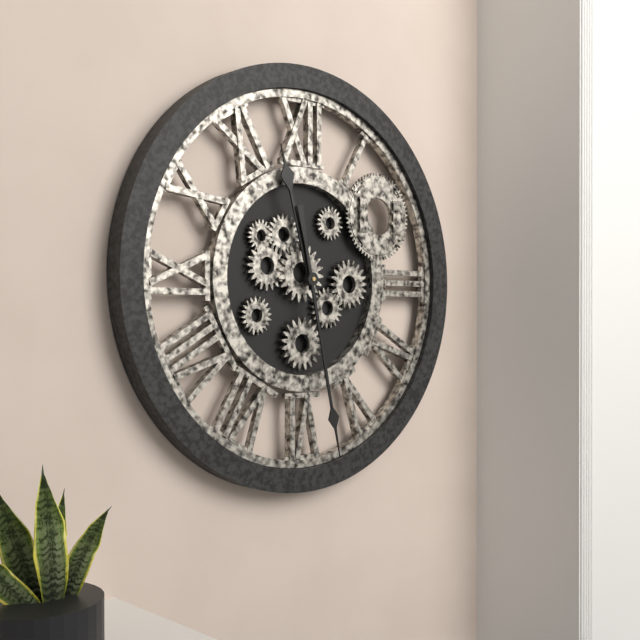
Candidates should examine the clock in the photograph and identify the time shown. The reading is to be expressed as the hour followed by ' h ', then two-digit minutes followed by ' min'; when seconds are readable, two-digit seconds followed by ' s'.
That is 11 h 28 min
